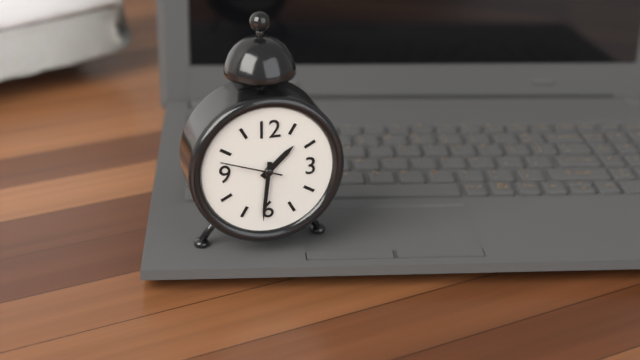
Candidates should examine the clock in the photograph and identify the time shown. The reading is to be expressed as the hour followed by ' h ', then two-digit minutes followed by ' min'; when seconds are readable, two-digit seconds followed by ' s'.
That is 1 h 31 min 48 s
